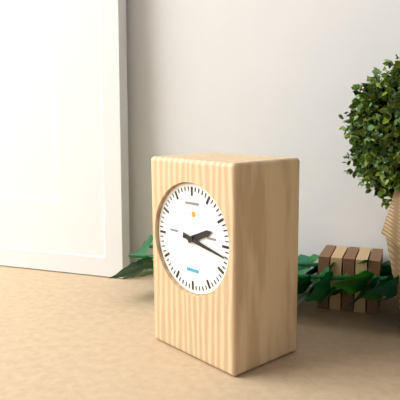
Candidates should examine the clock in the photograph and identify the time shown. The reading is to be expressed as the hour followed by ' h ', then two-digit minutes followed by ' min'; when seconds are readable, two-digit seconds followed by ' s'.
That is 2 h 17 min
